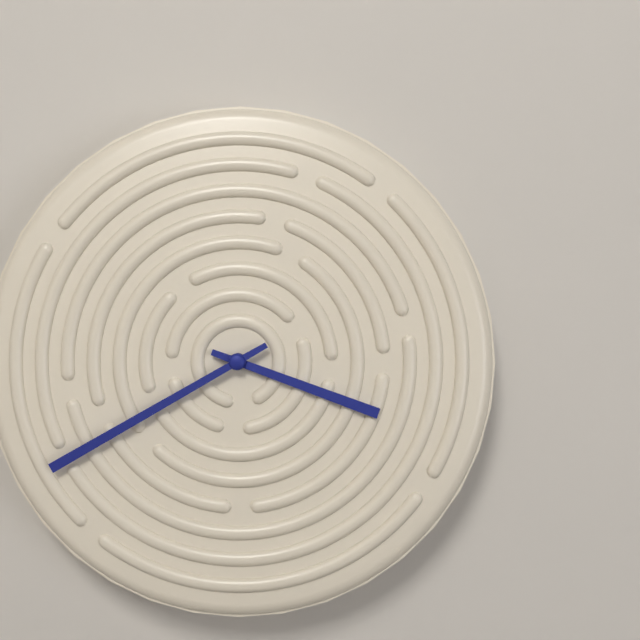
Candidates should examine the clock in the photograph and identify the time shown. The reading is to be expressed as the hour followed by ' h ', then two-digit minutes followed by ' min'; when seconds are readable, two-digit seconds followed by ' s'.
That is 3 h 40 min
